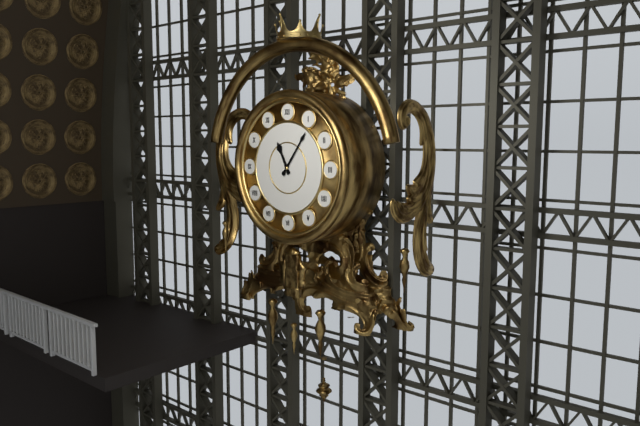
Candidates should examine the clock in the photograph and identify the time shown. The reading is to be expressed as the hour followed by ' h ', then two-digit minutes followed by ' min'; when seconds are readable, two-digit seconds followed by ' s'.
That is 11 h 06 min
